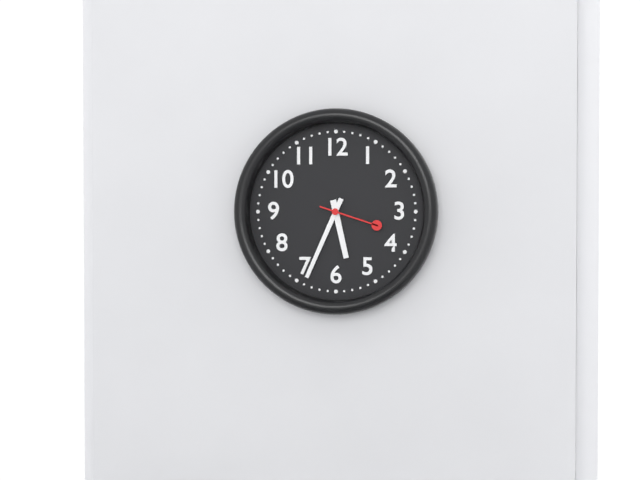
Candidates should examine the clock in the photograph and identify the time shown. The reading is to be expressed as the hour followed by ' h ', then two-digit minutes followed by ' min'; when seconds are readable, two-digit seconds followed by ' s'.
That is 5 h 34 min 18 s
